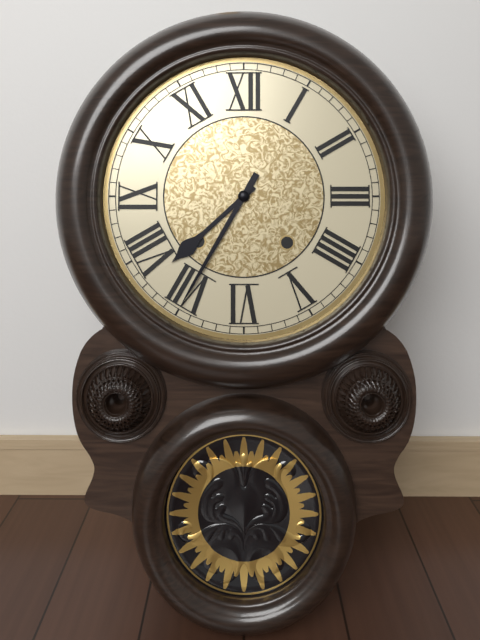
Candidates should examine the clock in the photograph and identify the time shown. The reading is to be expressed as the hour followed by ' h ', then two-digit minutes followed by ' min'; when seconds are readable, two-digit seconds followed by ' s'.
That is 7 h 35 min
